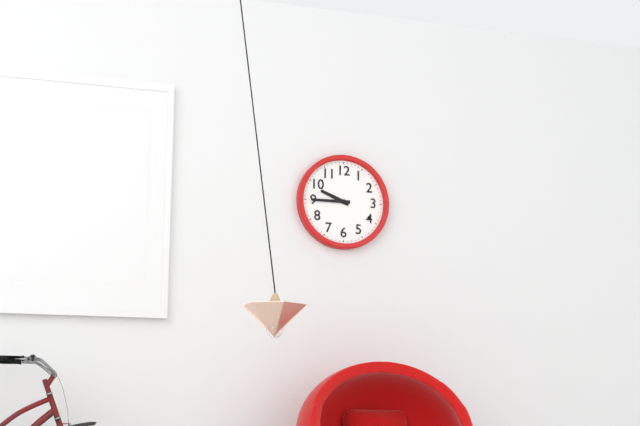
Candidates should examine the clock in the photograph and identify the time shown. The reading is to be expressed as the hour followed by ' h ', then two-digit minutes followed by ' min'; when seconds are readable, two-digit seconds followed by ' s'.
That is 9 h 45 min
